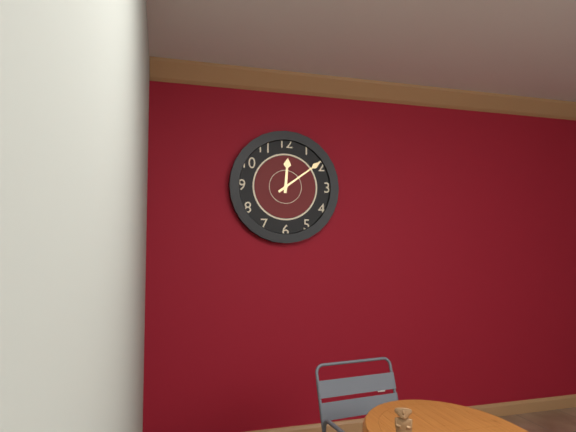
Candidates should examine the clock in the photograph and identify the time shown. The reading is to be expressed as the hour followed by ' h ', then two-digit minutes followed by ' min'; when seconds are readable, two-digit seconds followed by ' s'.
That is 12 h 09 min
